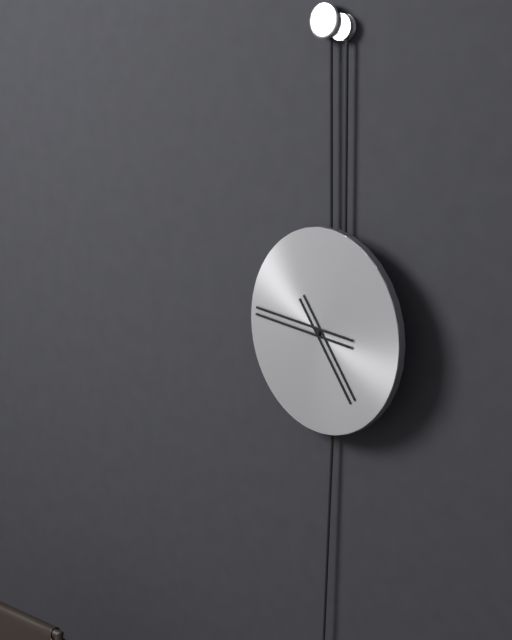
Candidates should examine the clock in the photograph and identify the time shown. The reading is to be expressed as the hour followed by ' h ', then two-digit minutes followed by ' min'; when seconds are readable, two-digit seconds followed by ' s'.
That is 4 h 46 min
